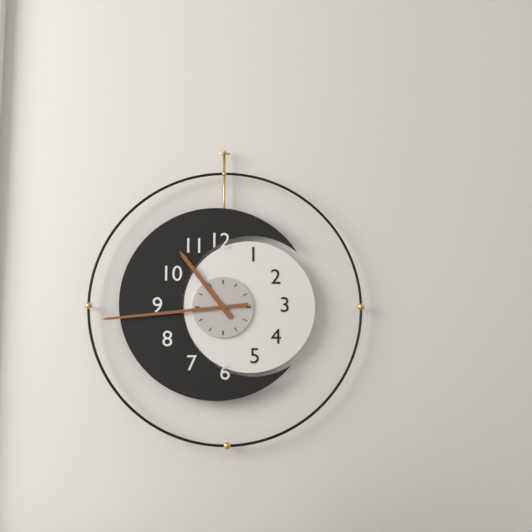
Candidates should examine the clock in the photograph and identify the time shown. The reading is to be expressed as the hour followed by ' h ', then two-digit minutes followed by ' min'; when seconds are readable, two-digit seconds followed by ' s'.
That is 10 h 44 min
